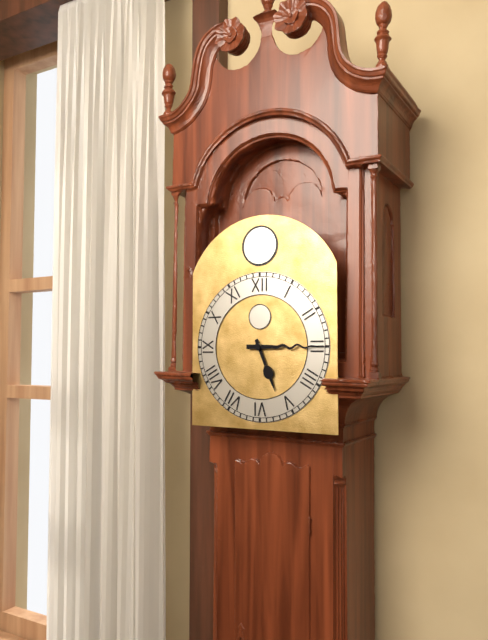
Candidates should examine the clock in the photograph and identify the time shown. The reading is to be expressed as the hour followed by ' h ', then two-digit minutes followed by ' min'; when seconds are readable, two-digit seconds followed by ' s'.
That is 5 h 15 min
